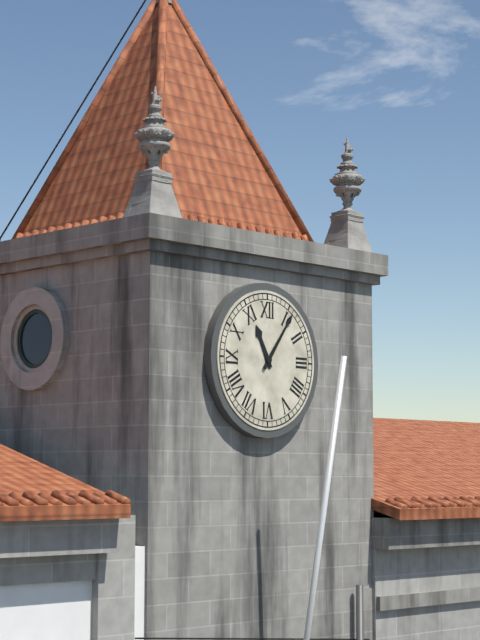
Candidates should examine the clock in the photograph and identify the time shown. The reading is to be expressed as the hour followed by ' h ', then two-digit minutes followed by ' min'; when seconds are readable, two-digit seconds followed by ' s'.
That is 11 h 06 min
